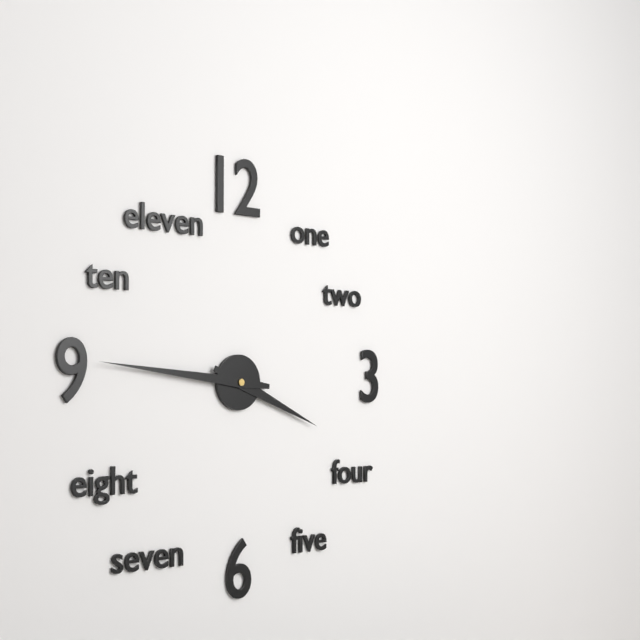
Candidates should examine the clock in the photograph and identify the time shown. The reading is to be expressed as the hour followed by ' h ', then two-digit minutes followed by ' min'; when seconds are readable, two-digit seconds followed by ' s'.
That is 3 h 46 min
